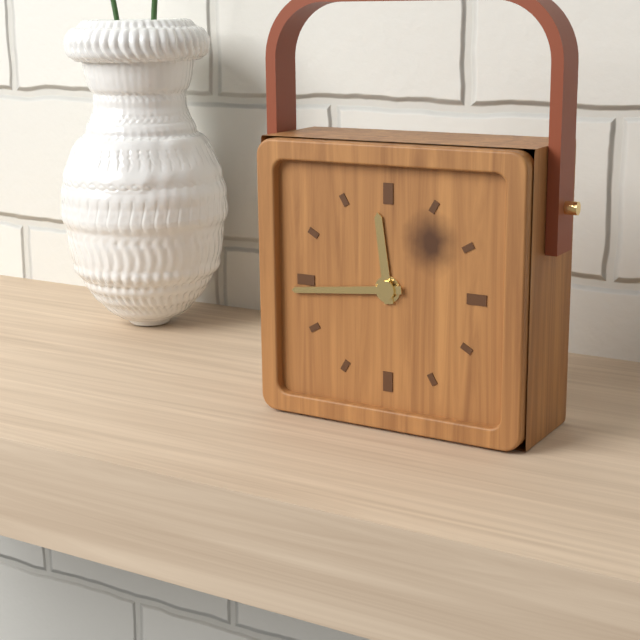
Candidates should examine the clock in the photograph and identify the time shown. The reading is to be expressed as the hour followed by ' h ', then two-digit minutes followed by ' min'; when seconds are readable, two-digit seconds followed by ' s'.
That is 11 h 44 min
